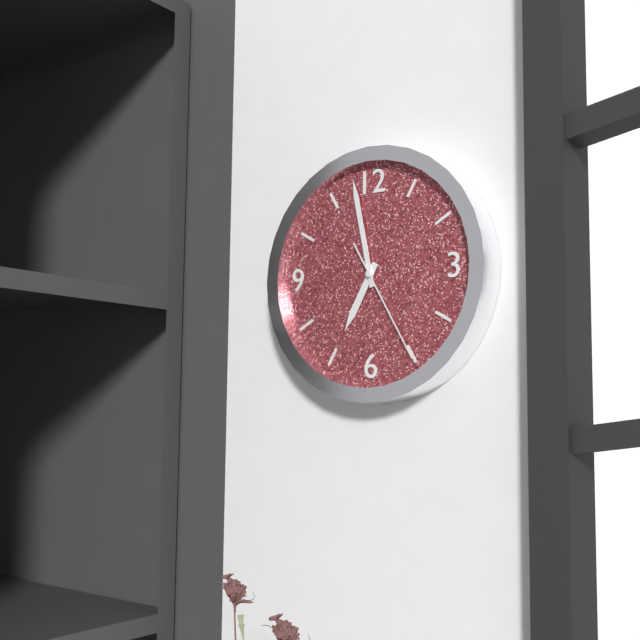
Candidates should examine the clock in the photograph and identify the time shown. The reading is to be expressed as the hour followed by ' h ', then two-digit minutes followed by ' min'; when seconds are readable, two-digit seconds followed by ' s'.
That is 6 h 58 min 25 s
